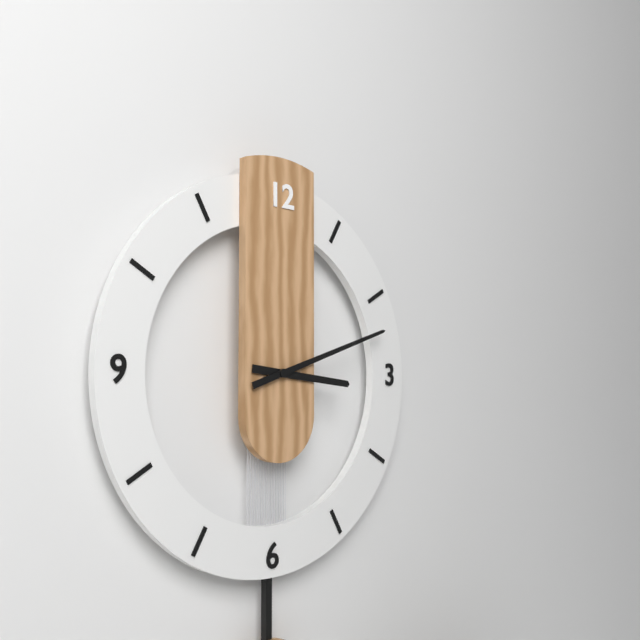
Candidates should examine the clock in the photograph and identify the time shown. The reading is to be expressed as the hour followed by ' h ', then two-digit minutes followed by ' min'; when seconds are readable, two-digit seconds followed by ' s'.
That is 3 h 12 min
